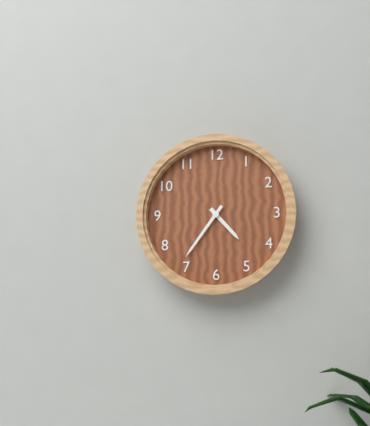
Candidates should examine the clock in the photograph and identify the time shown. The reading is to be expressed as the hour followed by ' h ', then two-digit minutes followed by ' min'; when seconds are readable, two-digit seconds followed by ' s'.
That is 4 h 36 min
